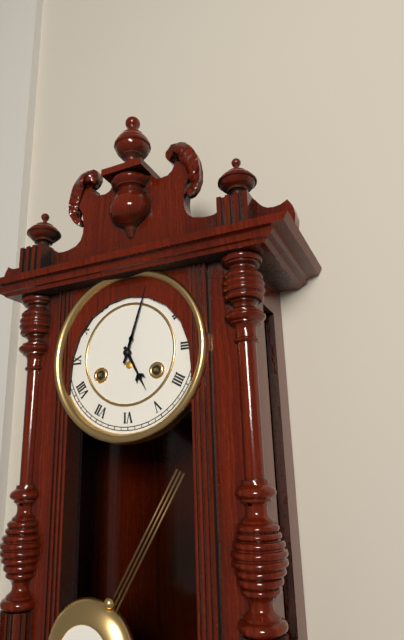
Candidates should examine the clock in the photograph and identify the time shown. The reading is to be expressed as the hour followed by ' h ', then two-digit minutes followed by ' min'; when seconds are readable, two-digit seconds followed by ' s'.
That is 5 h 03 min
